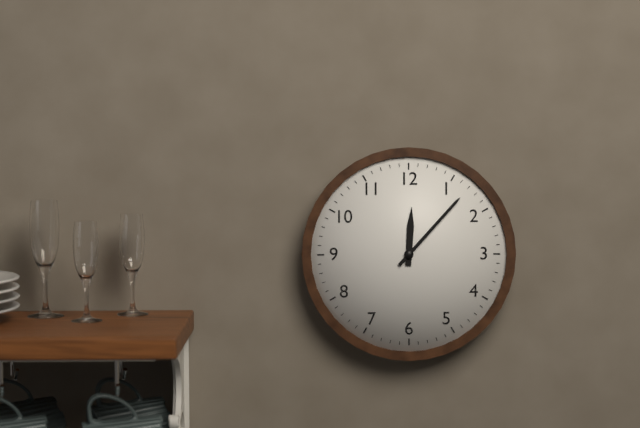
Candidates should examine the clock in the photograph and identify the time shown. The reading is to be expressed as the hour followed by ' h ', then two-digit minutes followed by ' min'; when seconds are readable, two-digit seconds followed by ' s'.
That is 12 h 07 min
